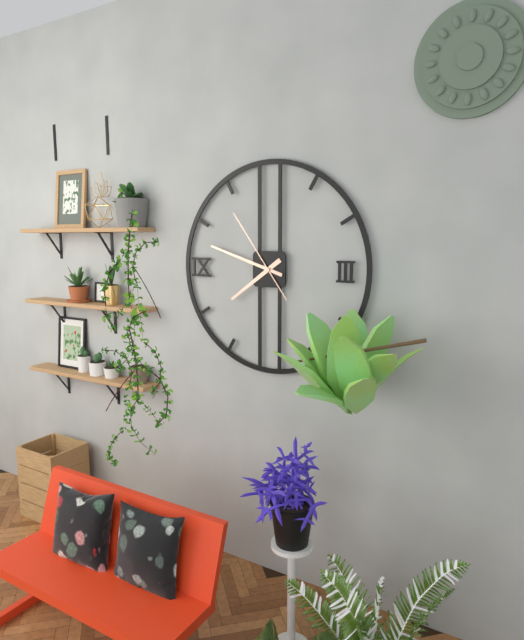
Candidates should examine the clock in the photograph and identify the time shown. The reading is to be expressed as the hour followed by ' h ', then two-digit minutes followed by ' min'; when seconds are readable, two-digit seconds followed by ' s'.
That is 7 h 48 min 54 s
